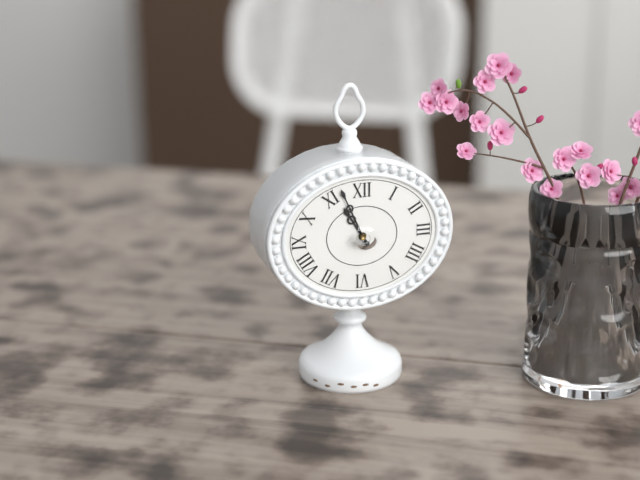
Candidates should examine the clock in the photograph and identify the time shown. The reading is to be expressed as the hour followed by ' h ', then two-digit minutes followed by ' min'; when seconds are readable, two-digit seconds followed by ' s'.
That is 10 h 56 min
